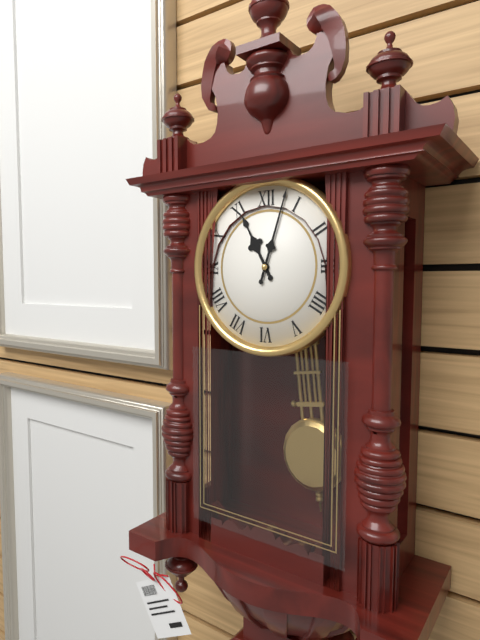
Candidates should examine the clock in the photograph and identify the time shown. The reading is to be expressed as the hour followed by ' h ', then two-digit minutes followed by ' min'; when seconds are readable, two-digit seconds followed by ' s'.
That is 11 h 03 min
